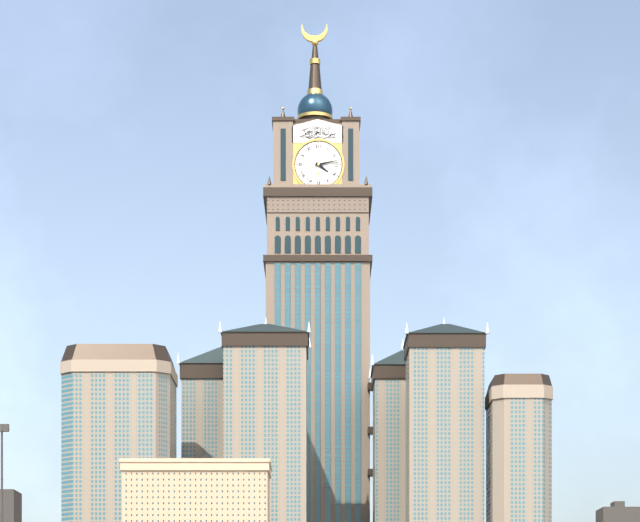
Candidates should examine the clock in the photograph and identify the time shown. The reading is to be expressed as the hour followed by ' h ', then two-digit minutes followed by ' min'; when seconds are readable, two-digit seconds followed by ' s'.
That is 4 h 13 min
